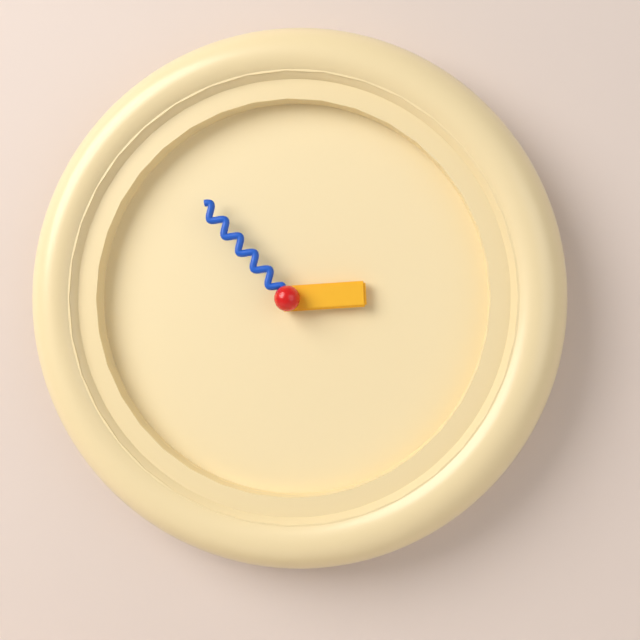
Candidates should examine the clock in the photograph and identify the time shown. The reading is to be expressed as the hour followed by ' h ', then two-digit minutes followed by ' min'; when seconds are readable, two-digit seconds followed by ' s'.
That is 2 h 53 min
